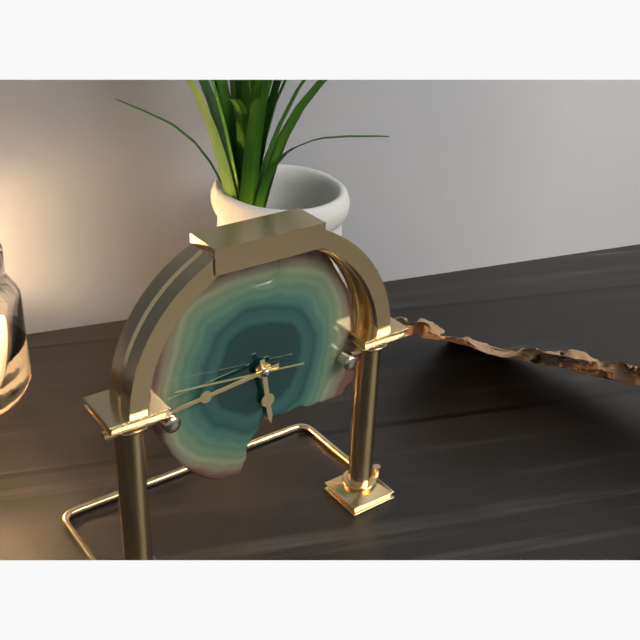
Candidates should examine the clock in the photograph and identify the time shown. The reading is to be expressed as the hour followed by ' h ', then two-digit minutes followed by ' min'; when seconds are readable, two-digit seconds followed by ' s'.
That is 5 h 44 min 46 s
